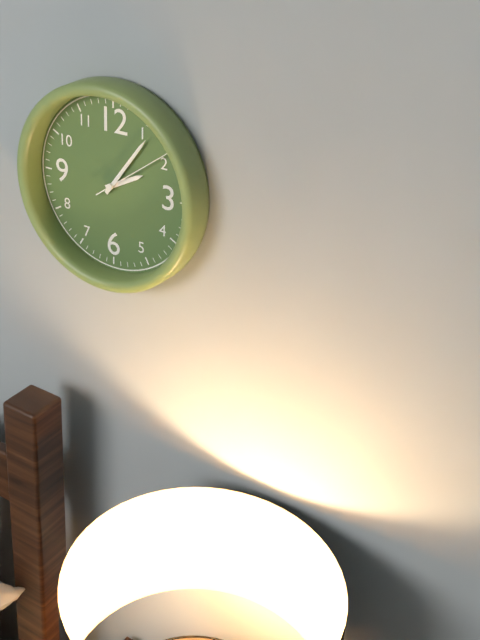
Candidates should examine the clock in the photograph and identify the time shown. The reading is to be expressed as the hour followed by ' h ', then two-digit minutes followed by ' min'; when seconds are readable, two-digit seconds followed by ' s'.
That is 2 h 06 min 09 s
